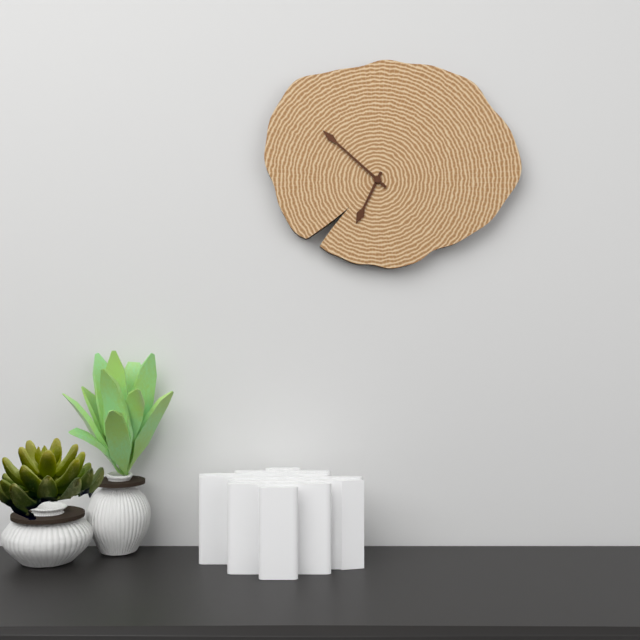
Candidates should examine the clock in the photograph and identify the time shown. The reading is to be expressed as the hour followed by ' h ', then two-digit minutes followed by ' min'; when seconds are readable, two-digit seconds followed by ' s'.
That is 6 h 52 min
